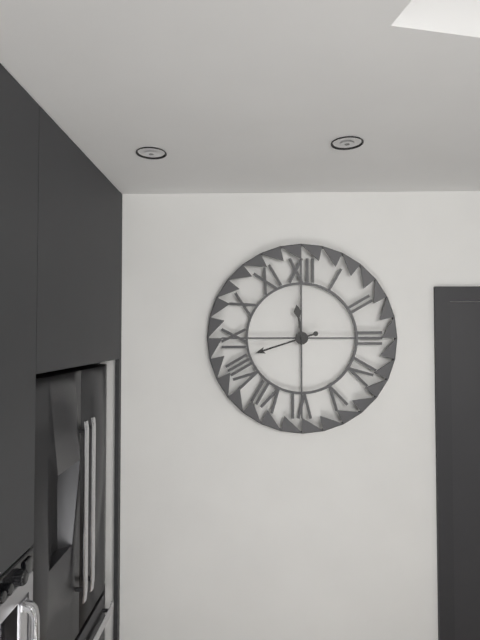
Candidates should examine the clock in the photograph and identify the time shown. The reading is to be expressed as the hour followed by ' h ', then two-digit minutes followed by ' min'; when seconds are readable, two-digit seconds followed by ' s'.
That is 11 h 42 min
